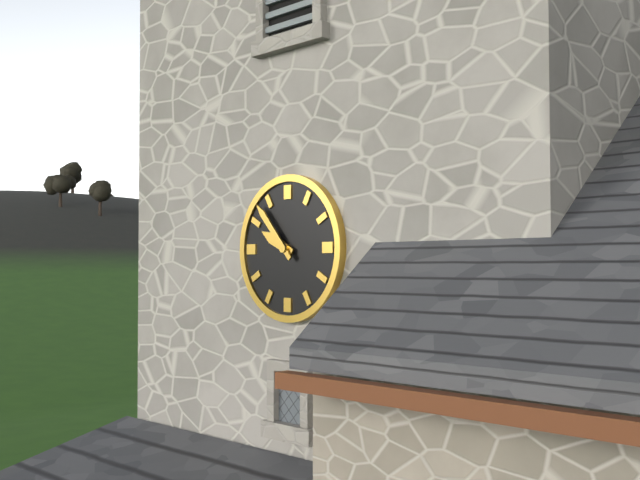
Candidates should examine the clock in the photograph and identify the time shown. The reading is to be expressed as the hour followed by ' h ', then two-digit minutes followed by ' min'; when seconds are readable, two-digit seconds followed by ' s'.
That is 9 h 53 min
